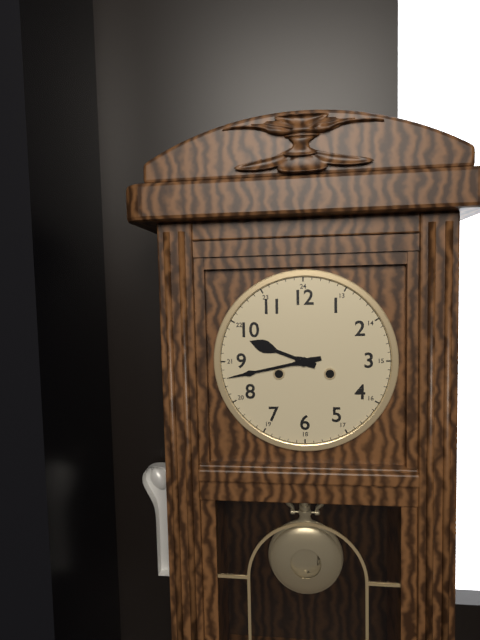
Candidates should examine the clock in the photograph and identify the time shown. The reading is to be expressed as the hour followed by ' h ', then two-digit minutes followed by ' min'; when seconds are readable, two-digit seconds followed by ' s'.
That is 9 h 43 min
